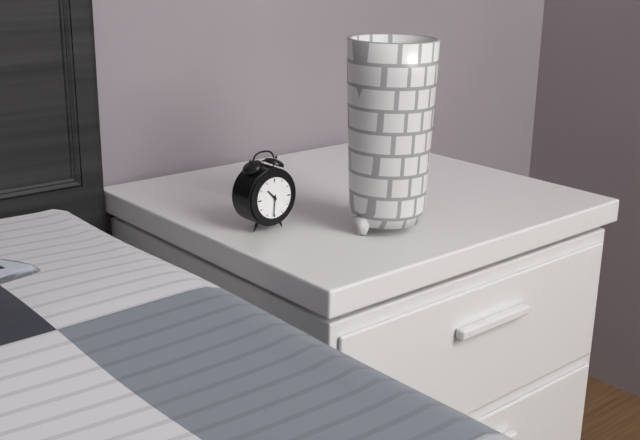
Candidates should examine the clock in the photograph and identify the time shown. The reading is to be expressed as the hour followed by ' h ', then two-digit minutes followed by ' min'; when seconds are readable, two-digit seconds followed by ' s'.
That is 10 h 31 min
